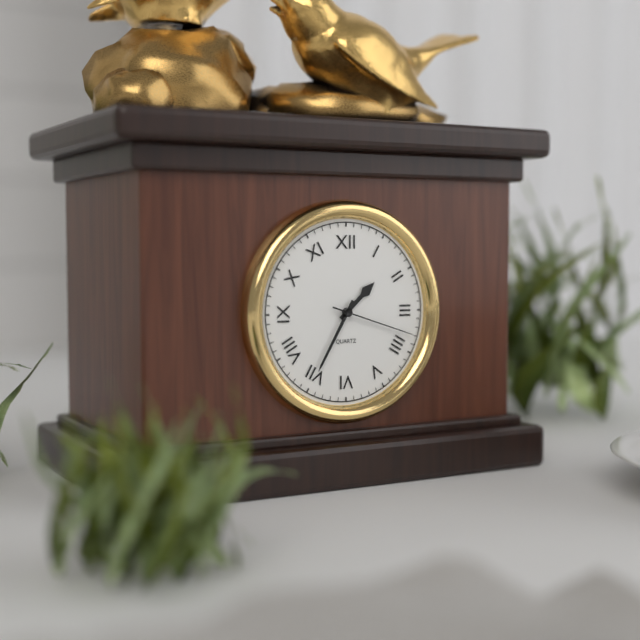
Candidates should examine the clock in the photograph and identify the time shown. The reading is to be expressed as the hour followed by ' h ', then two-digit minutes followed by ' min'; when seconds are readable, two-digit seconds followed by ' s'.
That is 1 h 35 min 18 s
